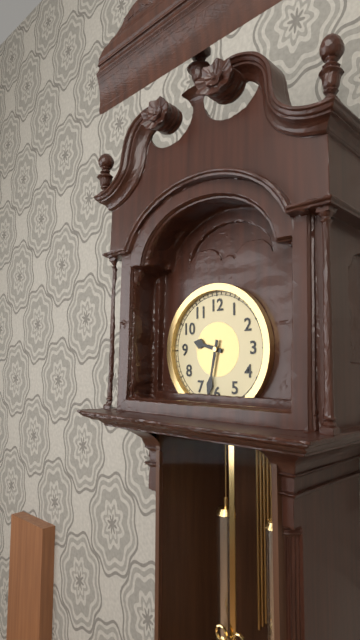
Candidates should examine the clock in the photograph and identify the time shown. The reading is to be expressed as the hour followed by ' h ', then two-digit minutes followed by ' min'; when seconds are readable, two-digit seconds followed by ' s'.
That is 9 h 32 min
